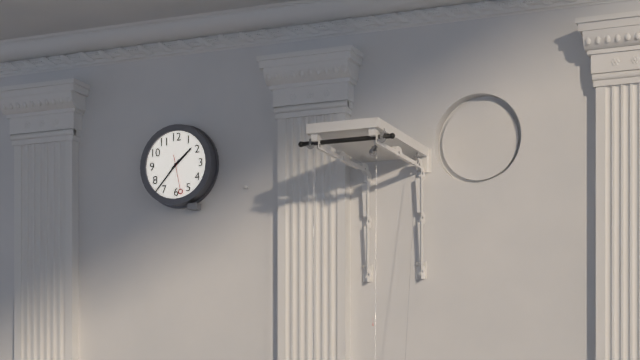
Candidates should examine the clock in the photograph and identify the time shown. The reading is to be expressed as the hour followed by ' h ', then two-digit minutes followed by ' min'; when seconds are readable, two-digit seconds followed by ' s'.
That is 1 h 37 min
